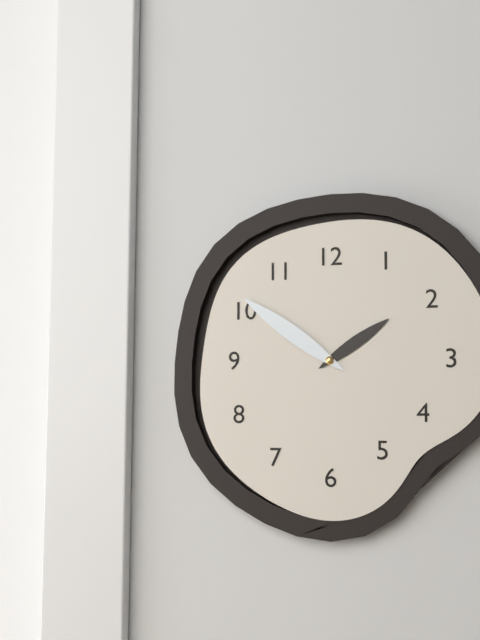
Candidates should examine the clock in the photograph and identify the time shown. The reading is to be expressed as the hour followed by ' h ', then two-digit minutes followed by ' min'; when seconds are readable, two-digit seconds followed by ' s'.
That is 1 h 51 min
